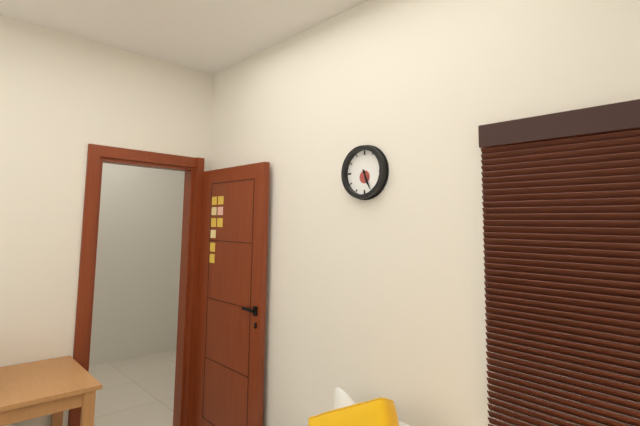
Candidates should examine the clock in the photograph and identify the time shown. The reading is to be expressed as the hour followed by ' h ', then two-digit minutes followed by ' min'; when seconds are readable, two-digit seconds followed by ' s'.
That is 5 h 26 min
